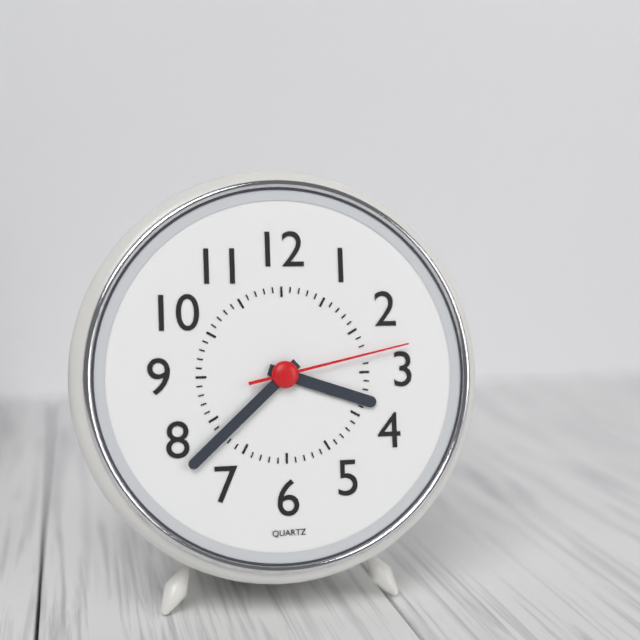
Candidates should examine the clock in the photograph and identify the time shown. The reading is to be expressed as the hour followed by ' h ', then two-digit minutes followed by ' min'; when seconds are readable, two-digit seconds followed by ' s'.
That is 3 h 38 min 13 s
